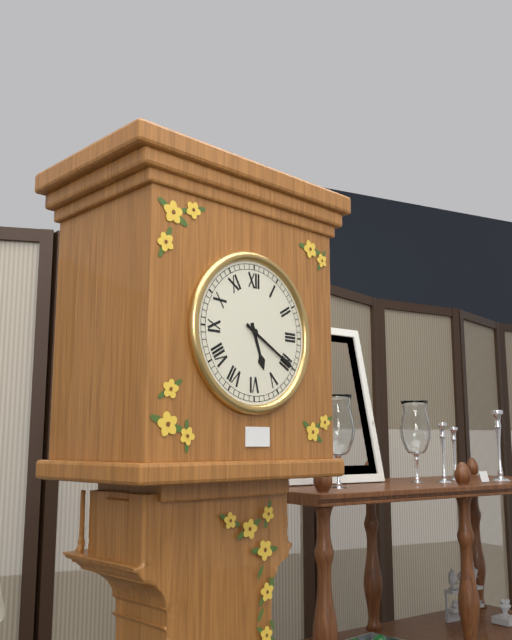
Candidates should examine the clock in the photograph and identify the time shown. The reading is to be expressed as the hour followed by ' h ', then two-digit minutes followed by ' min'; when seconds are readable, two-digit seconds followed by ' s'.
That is 5 h 20 min
